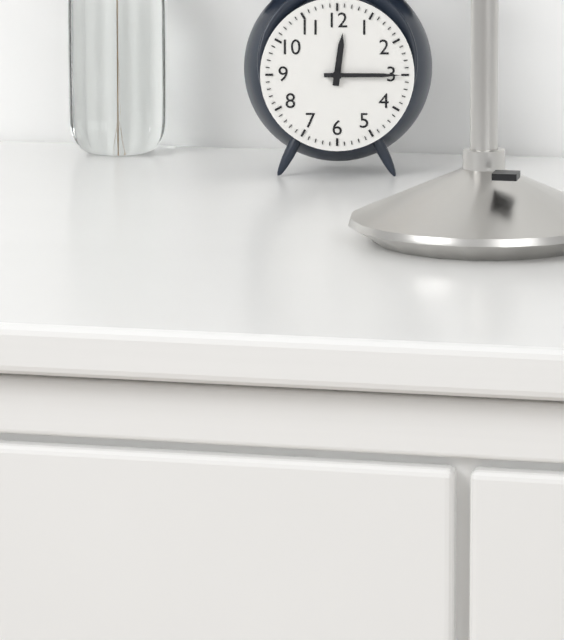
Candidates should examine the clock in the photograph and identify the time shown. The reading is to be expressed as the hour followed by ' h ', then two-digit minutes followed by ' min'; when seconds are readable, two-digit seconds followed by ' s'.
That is 12 h 15 min
